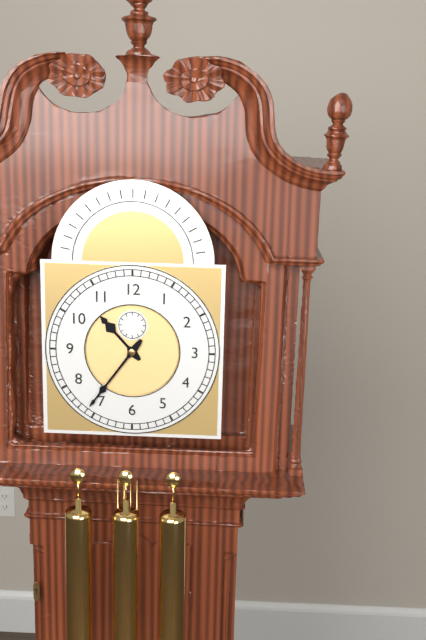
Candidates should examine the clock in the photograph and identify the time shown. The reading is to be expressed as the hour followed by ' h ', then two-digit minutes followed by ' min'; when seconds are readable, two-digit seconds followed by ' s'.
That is 10 h 36 min
